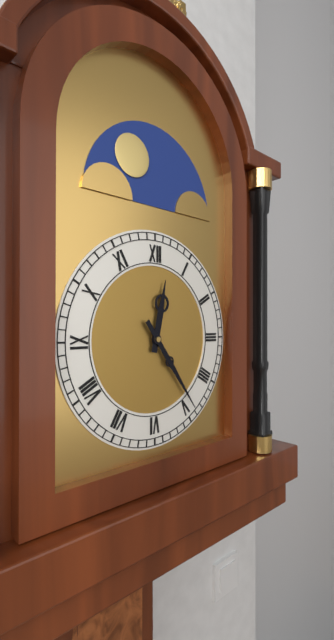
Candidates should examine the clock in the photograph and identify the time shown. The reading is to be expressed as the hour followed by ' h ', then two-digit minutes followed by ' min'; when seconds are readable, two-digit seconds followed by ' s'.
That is 12 h 24 min
